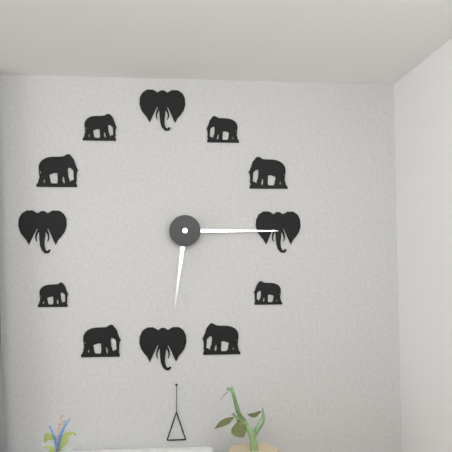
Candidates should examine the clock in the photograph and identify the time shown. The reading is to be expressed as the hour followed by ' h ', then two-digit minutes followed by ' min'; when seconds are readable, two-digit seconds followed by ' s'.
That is 6 h 15 min
